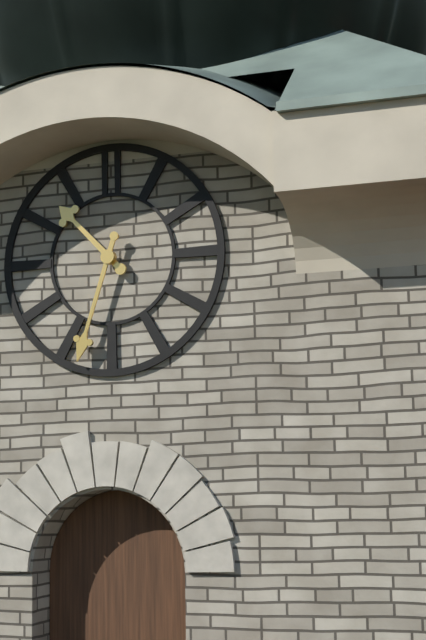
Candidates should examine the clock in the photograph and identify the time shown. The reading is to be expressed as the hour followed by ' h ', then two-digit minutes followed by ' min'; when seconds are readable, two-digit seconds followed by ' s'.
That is 10 h 33 min
